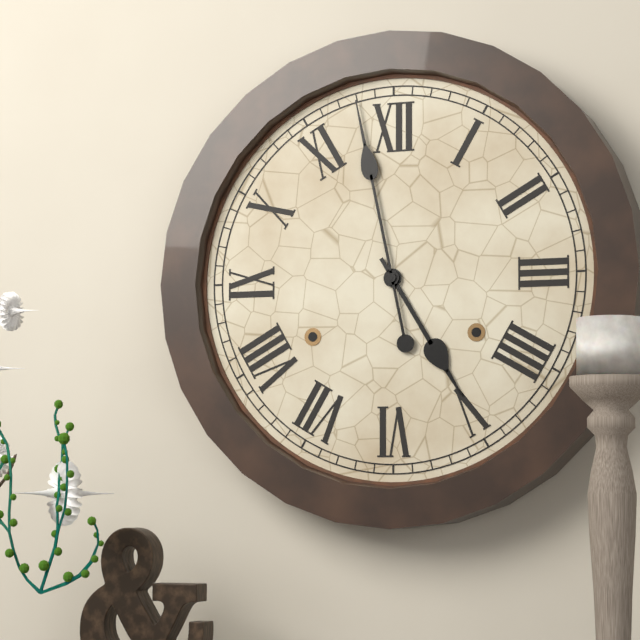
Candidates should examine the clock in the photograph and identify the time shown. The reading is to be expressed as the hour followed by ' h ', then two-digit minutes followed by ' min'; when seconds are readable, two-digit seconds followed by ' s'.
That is 4 h 58 min
